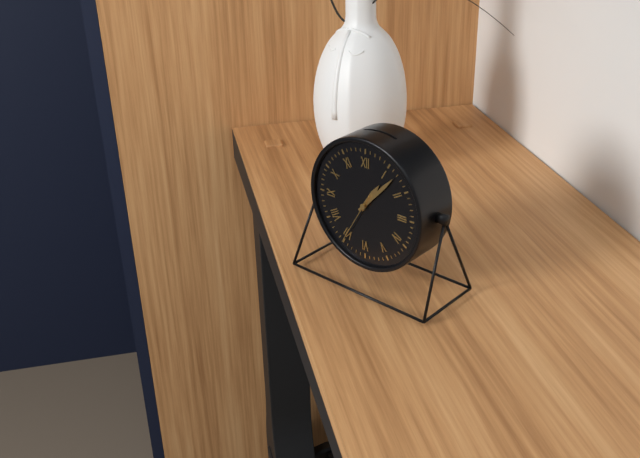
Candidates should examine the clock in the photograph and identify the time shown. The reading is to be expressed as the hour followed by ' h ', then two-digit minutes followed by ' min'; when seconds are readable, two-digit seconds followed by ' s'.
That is 1 h 07 min 35 s
